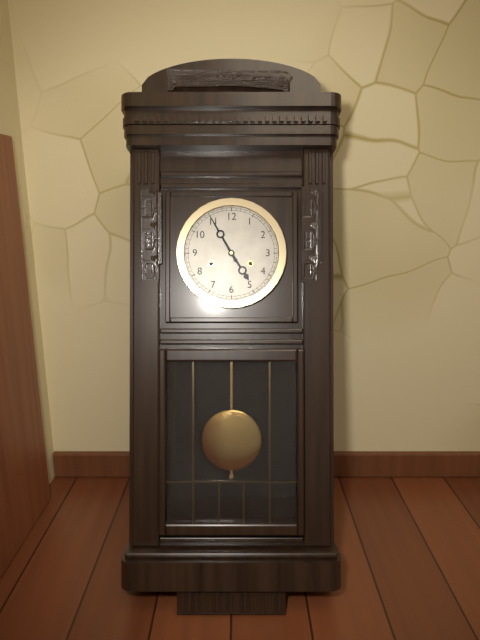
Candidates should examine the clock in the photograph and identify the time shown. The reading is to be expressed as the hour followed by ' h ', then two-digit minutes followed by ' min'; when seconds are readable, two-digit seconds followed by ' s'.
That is 4 h 55 min
